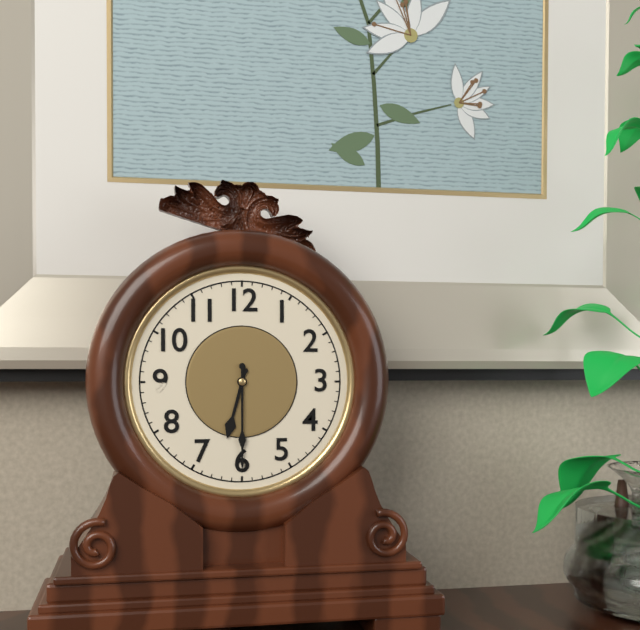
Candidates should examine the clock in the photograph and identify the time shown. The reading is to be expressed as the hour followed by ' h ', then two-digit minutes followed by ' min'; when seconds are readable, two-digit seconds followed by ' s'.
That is 6 h 30 min
